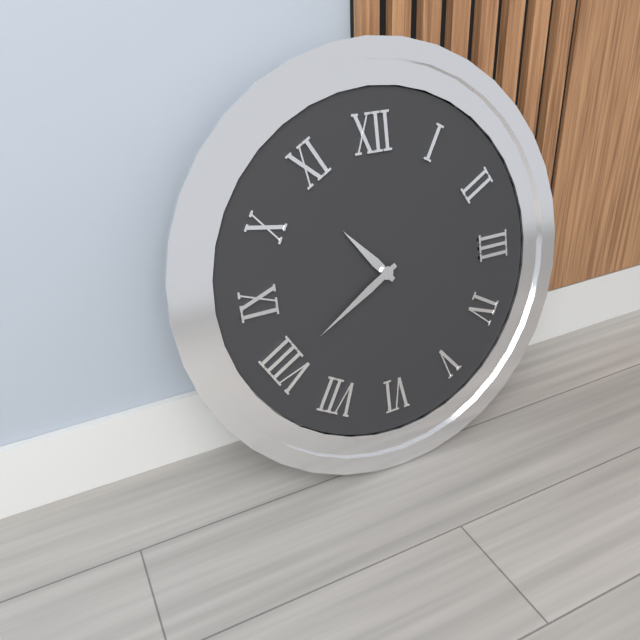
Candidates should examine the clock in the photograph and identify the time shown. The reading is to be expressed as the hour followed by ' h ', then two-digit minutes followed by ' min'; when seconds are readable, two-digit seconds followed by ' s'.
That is 10 h 40 min
